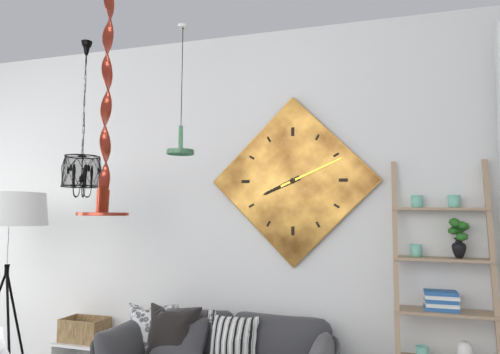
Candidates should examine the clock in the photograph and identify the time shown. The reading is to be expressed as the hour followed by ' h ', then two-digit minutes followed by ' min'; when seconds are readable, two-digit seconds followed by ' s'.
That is 8 h 11 min
